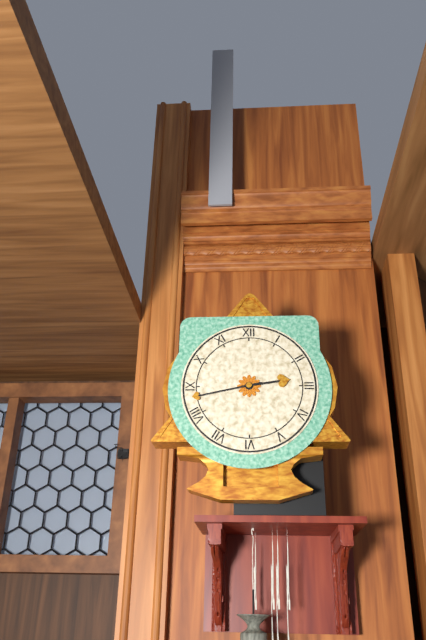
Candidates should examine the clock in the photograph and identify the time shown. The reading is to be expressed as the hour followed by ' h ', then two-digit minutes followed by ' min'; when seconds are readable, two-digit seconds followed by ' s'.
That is 2 h 43 min
